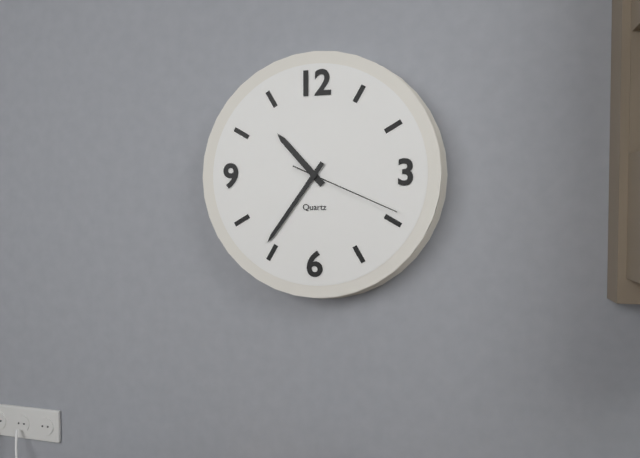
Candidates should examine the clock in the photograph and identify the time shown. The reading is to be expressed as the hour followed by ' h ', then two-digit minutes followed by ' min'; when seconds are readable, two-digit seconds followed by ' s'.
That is 10 h 36 min 19 s
